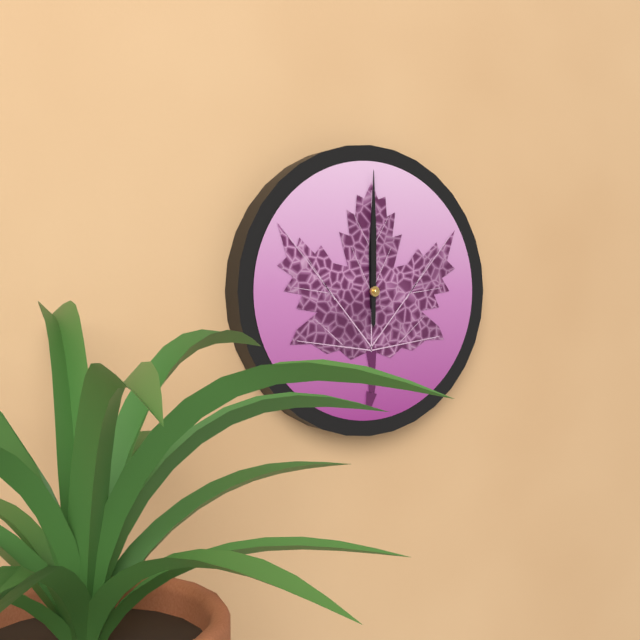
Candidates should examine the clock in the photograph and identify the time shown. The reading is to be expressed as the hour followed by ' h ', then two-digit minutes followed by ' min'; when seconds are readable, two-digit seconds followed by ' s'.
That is 12 h 00 min
